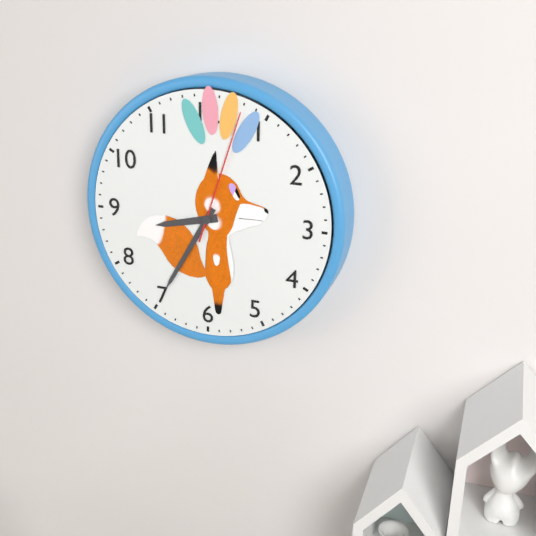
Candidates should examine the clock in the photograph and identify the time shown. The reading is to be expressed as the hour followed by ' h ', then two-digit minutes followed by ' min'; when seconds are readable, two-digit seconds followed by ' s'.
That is 8 h 35 min 03 s
